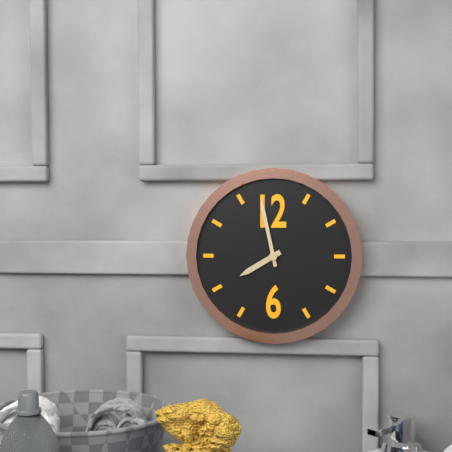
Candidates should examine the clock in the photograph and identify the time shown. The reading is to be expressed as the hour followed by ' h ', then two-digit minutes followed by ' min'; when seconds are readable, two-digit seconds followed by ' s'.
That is 7 h 58 min
